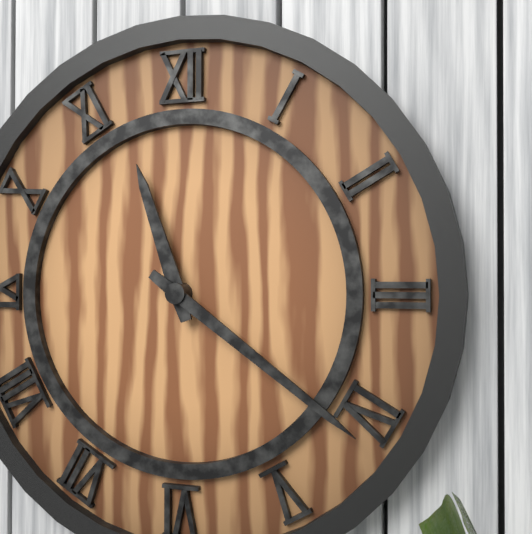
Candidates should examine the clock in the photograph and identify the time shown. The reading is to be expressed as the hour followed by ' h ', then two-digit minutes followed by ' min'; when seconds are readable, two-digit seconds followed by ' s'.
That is 11 h 21 min
